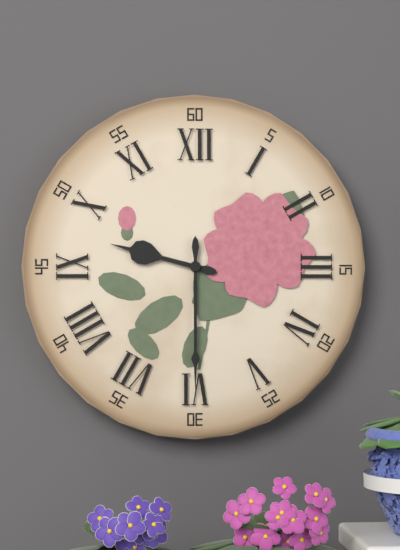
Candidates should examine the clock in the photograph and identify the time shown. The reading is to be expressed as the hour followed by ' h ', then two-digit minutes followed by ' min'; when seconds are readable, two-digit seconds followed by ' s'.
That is 9 h 30 min
